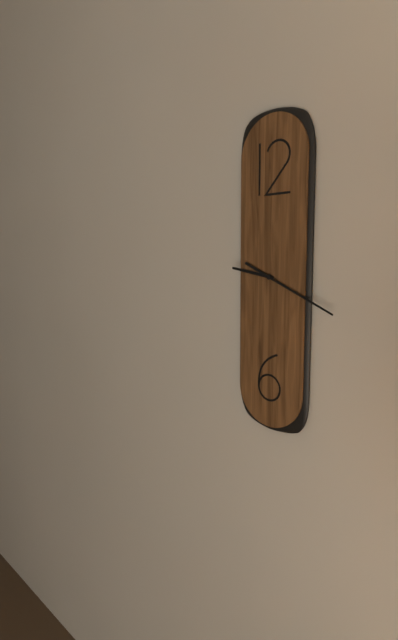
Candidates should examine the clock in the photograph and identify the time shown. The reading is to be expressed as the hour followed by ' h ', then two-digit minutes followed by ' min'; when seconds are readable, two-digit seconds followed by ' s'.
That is 9 h 19 min
